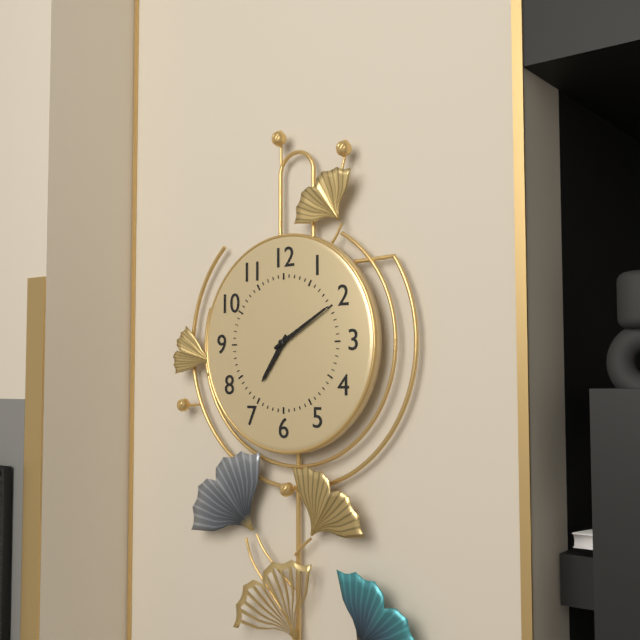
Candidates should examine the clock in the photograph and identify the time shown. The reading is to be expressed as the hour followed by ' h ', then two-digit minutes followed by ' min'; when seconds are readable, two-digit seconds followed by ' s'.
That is 7 h 10 min
